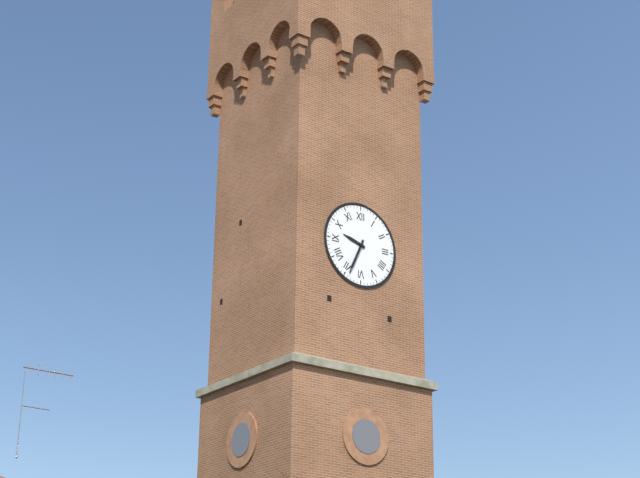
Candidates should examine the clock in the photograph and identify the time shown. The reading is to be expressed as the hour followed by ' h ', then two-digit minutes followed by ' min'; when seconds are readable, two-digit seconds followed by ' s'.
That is 9 h 34 min
